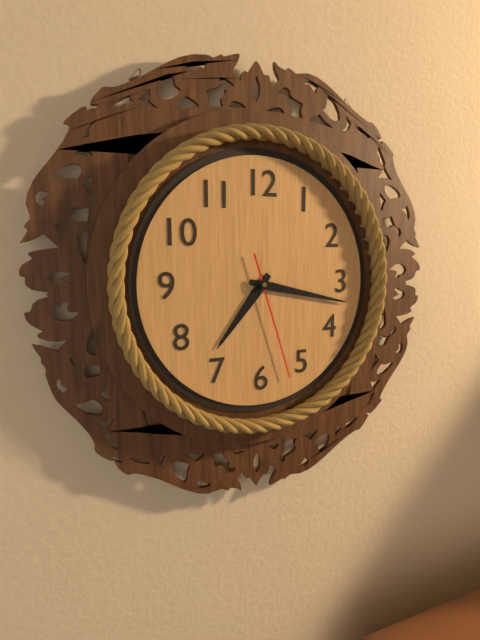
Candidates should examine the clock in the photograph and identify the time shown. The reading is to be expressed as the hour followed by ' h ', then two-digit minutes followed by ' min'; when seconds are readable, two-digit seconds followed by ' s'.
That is 7 h 17 min 27 s
